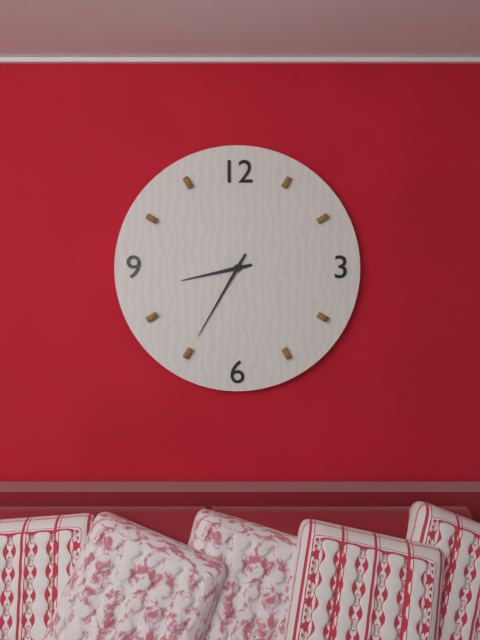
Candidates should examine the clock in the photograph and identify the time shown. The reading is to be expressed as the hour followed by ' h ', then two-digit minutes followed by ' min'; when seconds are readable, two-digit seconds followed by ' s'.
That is 8 h 35 min
